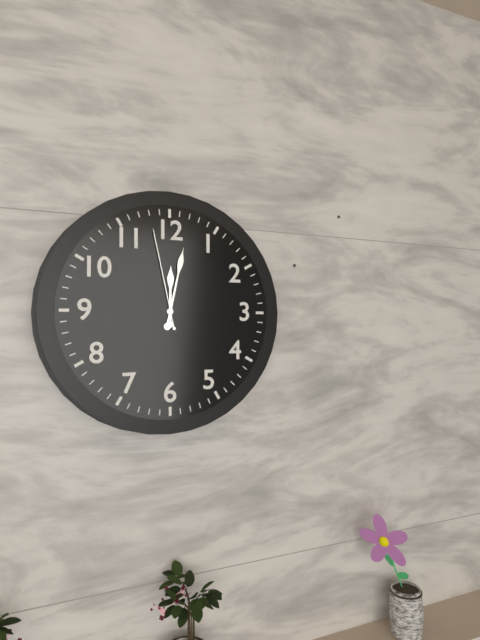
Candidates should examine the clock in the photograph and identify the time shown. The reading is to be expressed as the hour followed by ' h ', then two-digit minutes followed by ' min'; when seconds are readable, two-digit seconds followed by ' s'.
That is 12 h 02 min 58 s
